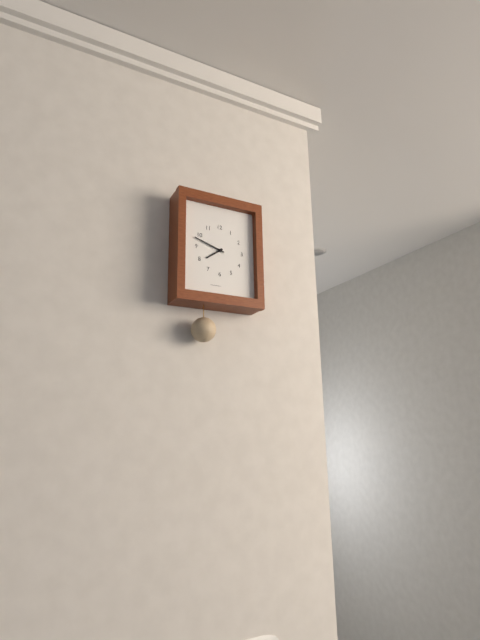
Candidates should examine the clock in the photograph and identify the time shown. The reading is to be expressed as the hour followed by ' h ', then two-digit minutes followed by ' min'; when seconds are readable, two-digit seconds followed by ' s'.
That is 7 h 48 min
